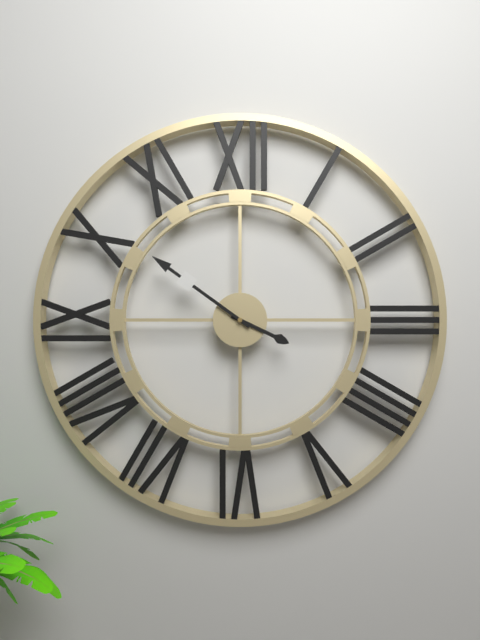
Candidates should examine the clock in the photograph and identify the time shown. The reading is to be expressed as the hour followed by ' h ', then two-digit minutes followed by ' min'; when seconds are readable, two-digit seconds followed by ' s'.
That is 3 h 51 min
